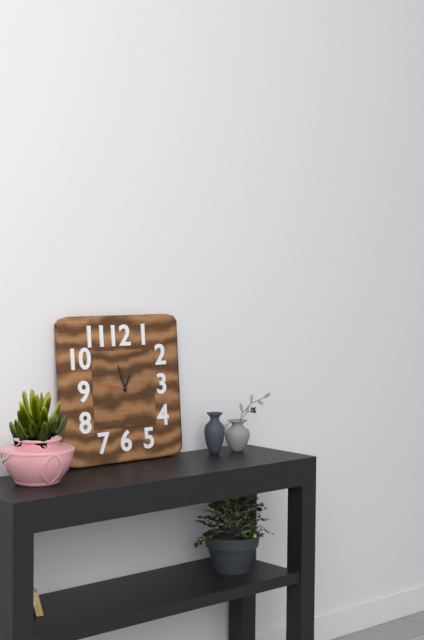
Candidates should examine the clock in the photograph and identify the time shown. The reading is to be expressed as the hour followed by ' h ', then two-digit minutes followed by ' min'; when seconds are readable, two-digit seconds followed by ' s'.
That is 12 h 57 min
